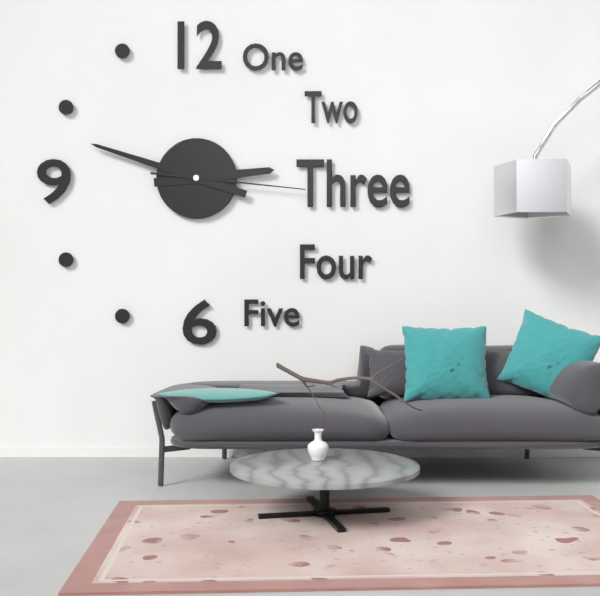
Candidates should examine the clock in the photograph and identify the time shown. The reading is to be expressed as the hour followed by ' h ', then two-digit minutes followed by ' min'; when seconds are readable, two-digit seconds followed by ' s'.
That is 2 h 48 min 16 s
